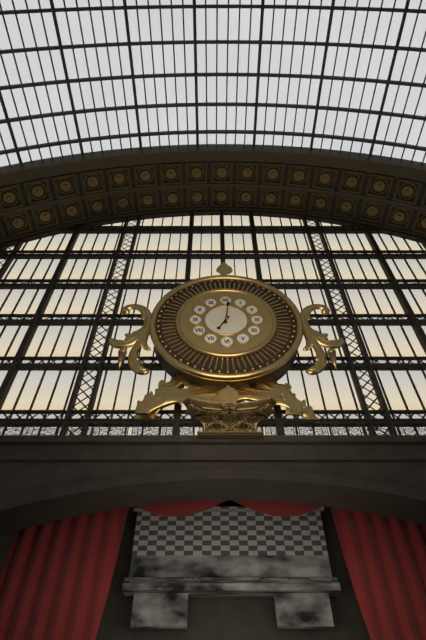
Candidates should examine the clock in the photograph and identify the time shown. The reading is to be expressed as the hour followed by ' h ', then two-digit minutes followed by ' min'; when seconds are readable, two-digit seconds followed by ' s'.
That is 7 h 01 min
